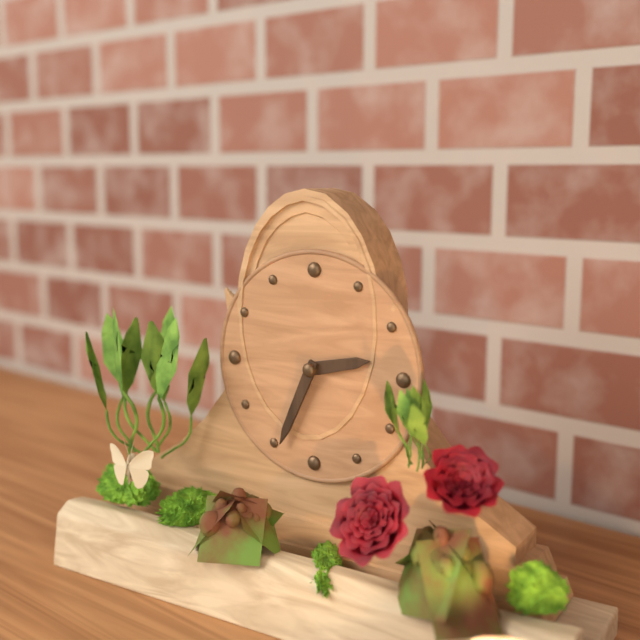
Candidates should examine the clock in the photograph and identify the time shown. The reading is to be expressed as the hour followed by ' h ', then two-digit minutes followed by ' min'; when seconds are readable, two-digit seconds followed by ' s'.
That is 2 h 34 min
